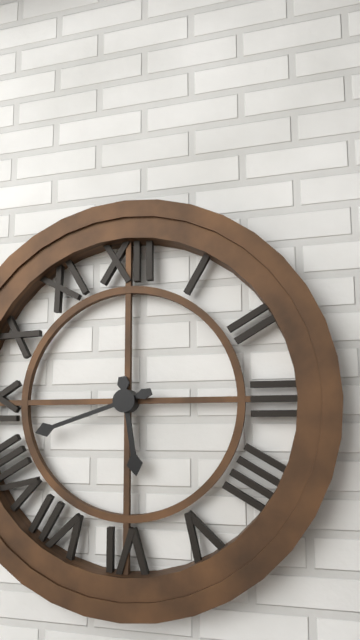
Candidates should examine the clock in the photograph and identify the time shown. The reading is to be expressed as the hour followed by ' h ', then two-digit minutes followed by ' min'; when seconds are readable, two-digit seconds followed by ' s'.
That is 5 h 42 min
